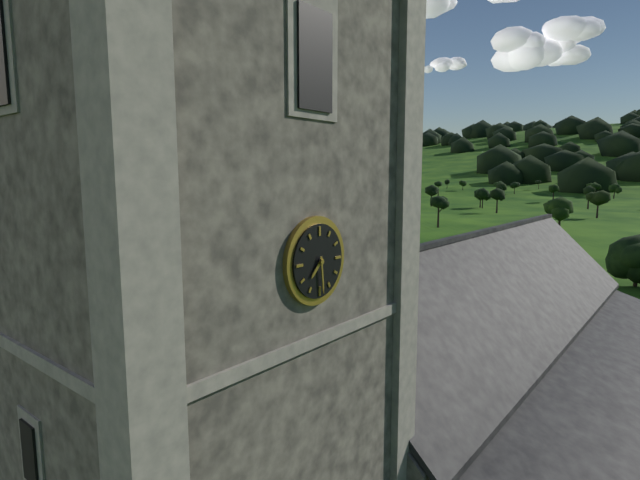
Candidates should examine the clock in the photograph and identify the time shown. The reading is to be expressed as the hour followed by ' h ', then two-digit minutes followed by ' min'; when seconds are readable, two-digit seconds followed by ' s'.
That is 7 h 29 min
